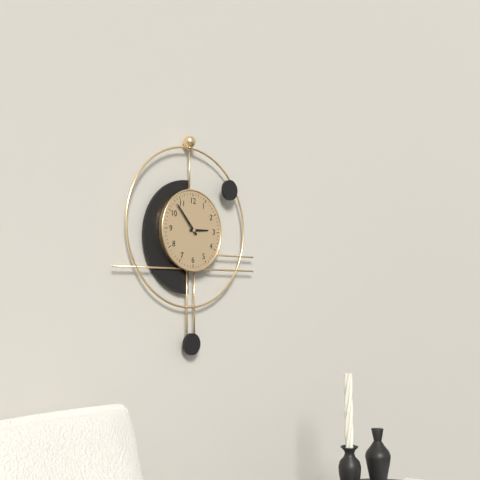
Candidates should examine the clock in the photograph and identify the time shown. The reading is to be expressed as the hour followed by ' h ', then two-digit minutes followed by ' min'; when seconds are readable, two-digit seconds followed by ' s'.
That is 2 h 53 min
